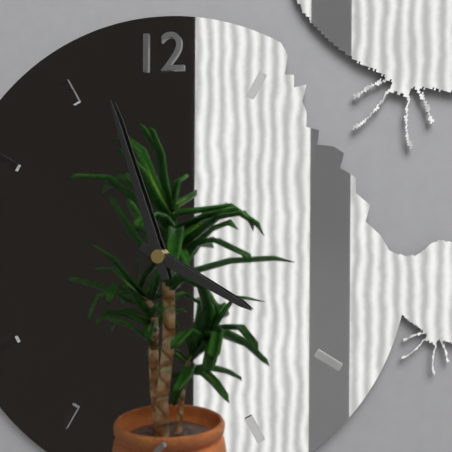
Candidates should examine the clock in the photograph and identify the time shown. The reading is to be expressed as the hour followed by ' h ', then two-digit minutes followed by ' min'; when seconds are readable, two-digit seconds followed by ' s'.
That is 3 h 57 min
